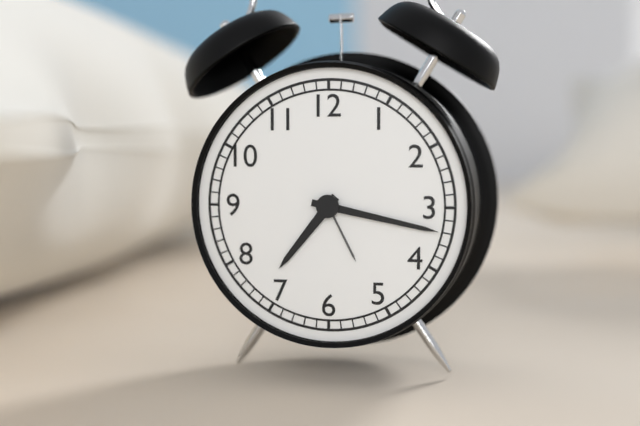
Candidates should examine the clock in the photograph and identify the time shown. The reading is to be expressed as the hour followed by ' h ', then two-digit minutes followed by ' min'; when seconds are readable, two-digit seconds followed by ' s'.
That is 7 h 17 min
